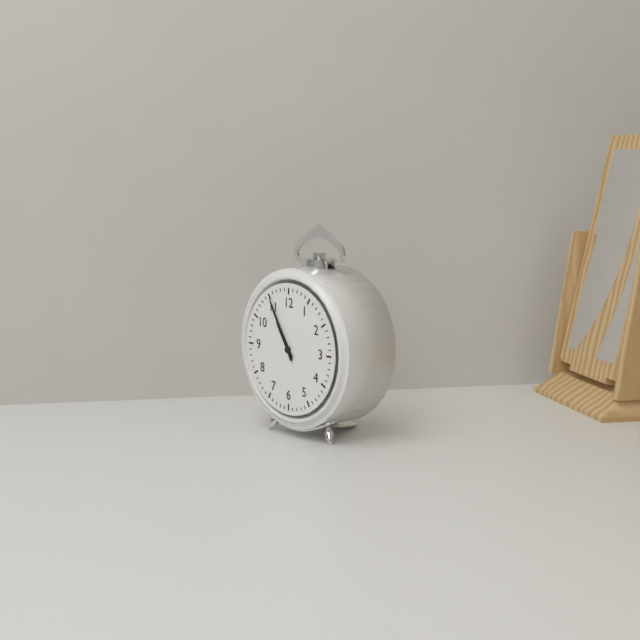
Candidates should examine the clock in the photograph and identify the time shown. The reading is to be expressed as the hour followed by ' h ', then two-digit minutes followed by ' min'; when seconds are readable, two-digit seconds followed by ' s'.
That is 10 h 55 min
